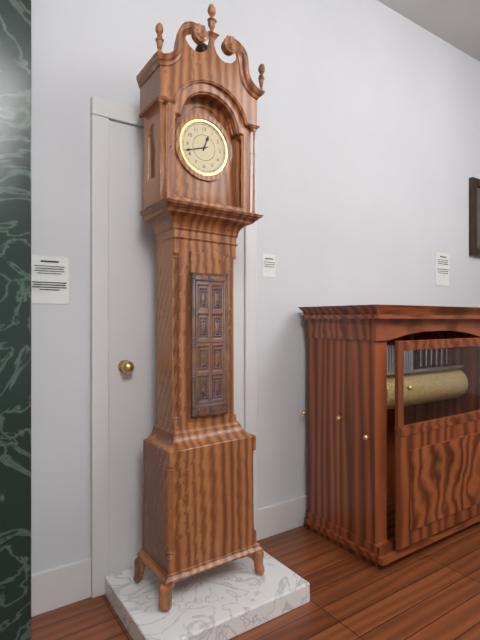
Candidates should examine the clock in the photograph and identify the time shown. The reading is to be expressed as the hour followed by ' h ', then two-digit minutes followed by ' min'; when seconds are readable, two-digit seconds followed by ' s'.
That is 12 h 42 min
